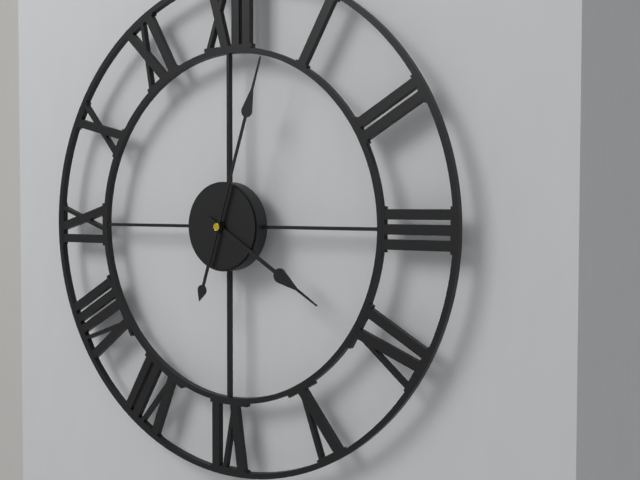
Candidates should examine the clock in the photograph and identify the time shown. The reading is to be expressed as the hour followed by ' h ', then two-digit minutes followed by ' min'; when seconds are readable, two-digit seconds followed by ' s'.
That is 4 h 03 min
